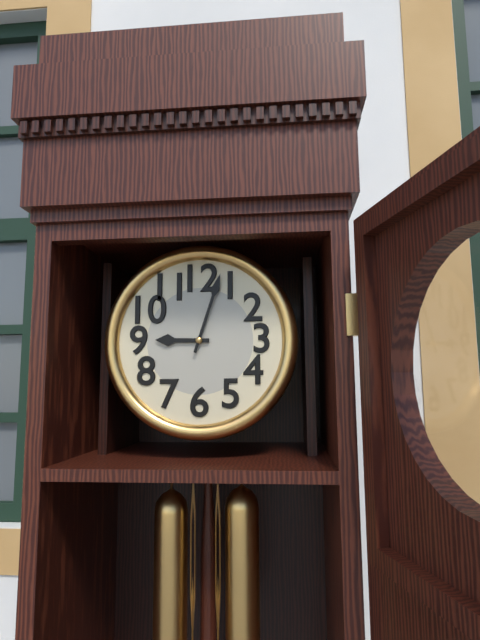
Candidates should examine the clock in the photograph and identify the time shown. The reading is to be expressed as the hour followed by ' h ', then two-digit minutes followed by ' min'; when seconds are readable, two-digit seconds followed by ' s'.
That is 9 h 03 min
